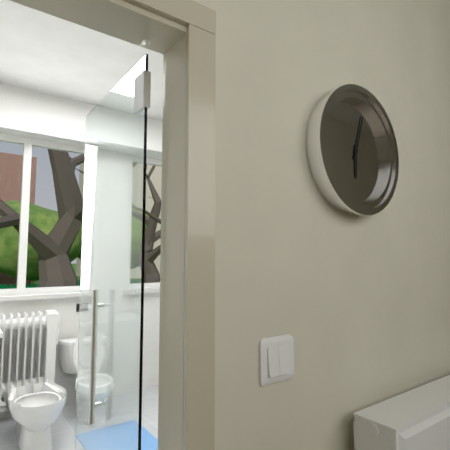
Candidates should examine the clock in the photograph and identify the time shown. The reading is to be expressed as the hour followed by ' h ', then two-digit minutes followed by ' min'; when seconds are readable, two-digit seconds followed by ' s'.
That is 6 h 03 min
